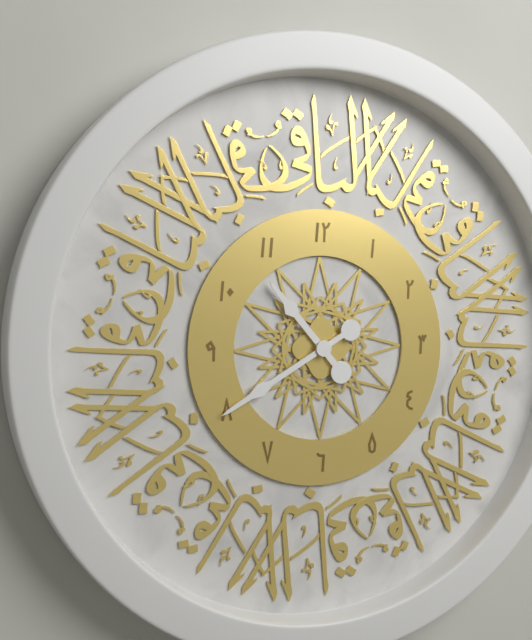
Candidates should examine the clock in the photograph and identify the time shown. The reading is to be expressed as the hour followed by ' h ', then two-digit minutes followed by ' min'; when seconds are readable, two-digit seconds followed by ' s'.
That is 10 h 40 min
